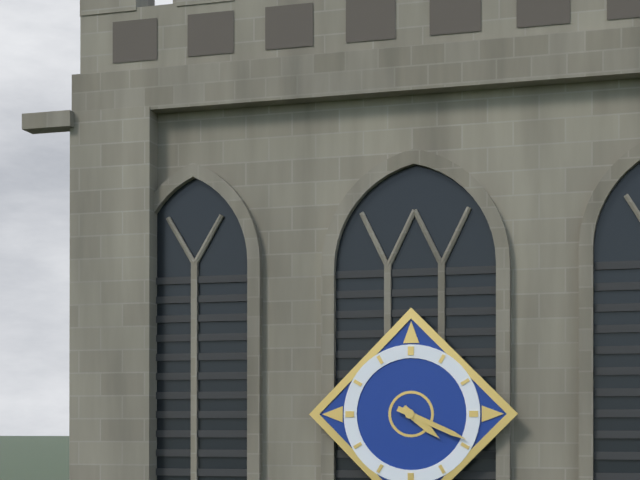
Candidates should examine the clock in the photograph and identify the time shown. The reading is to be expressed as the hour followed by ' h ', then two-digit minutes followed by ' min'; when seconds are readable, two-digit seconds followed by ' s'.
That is 4 h 19 min
